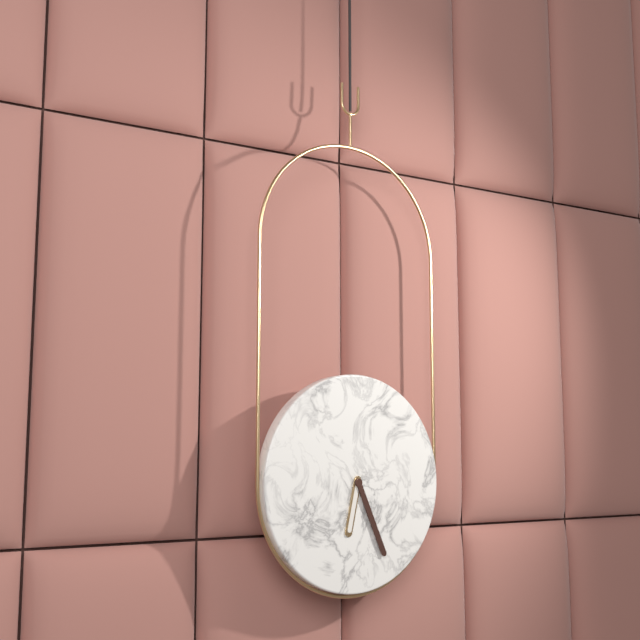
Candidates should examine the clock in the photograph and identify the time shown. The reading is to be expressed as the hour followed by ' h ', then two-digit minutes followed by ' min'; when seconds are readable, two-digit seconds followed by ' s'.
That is 6 h 26 min
